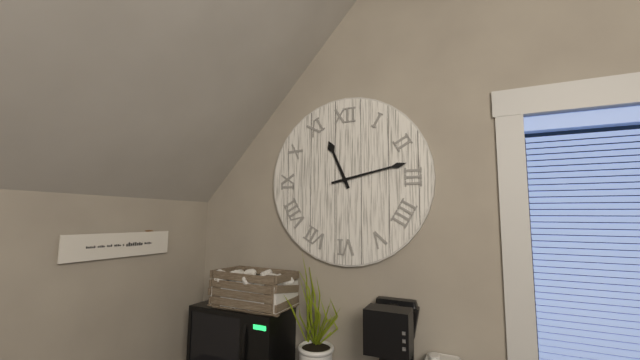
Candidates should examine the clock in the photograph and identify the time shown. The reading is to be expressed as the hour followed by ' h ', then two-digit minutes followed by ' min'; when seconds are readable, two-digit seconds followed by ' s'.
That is 11 h 13 min
